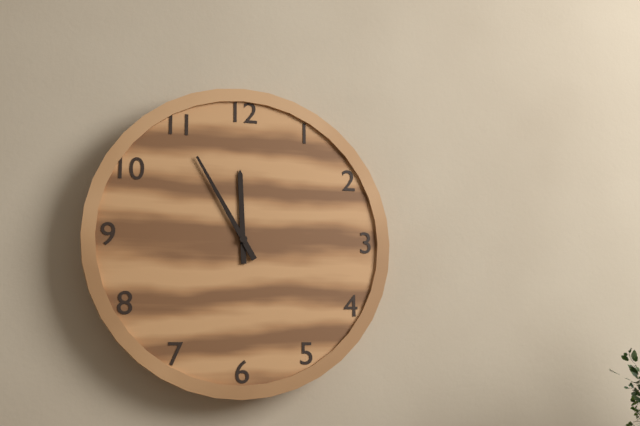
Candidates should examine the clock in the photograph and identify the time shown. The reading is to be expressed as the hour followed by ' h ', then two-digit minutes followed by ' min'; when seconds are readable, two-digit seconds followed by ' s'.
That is 11 h 55 min
